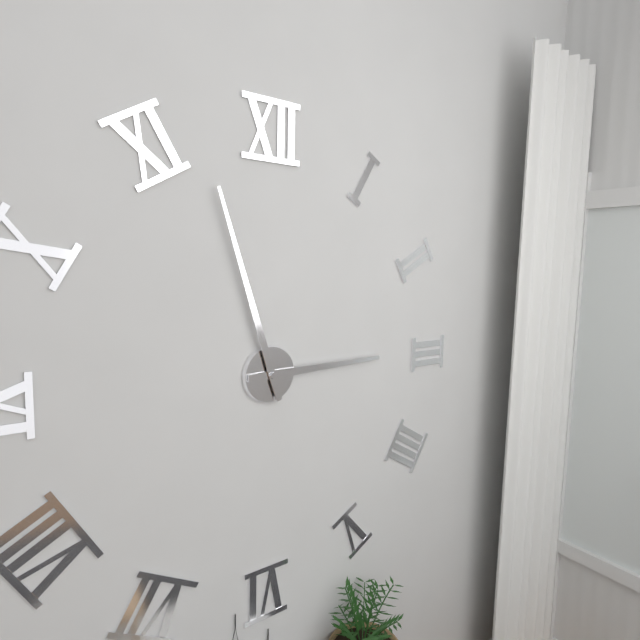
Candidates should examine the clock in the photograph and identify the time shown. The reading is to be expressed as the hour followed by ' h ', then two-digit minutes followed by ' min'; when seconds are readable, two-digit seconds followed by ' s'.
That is 2 h 57 min
